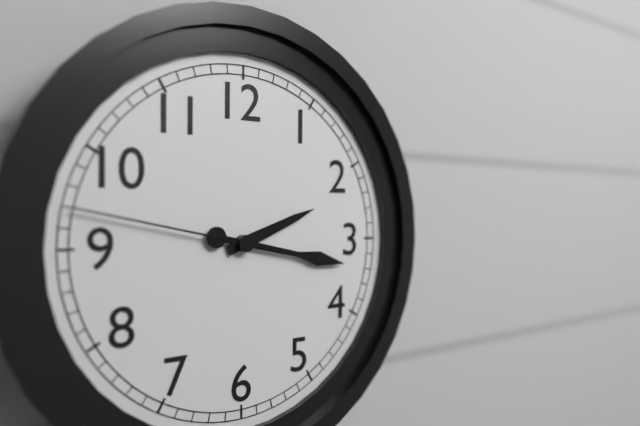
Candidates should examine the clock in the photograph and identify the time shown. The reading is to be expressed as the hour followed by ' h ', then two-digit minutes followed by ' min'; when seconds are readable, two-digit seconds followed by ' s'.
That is 2 h 17 min 47 s
